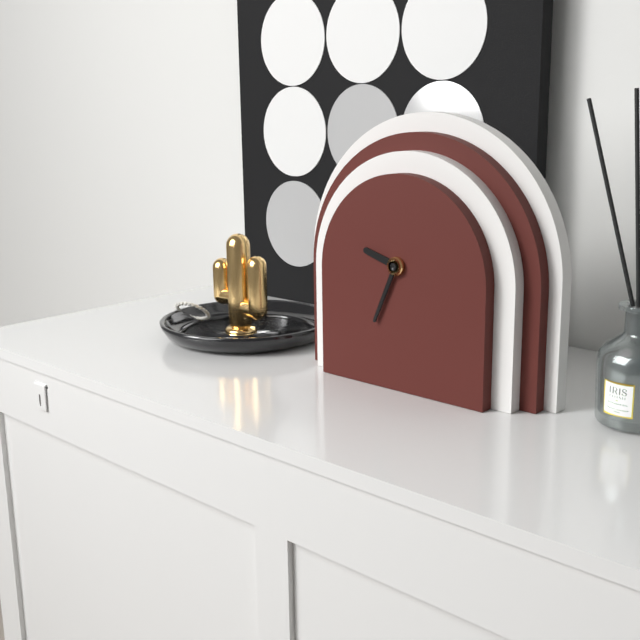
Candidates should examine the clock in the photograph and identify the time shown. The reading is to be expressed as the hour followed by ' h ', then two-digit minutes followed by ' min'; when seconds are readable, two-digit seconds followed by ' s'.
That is 9 h 34 min
